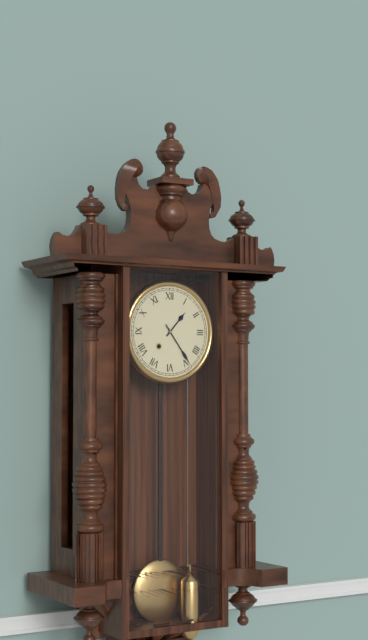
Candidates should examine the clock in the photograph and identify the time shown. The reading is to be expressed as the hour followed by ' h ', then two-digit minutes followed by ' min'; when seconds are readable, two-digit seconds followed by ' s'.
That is 1 h 24 min
